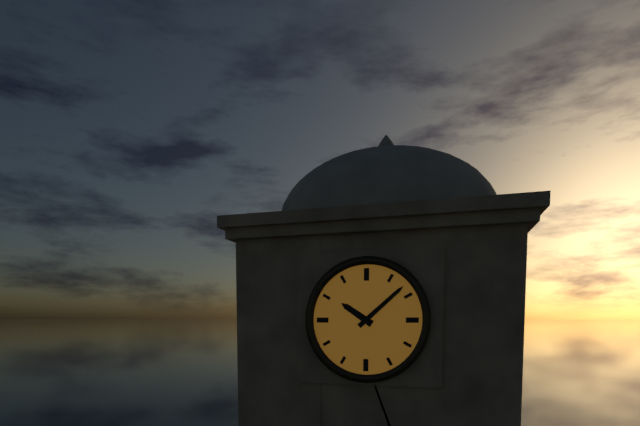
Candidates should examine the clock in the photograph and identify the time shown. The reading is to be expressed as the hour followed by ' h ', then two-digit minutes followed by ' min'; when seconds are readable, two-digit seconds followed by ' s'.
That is 10 h 08 min
